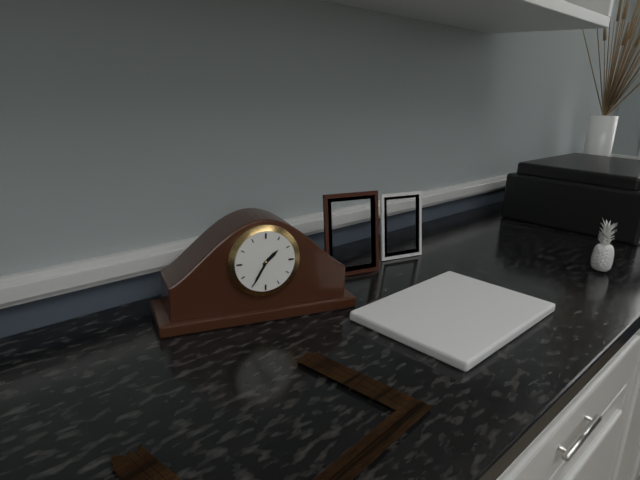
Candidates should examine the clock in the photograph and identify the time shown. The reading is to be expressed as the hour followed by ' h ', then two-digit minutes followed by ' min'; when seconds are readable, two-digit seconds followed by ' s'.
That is 1 h 35 min
